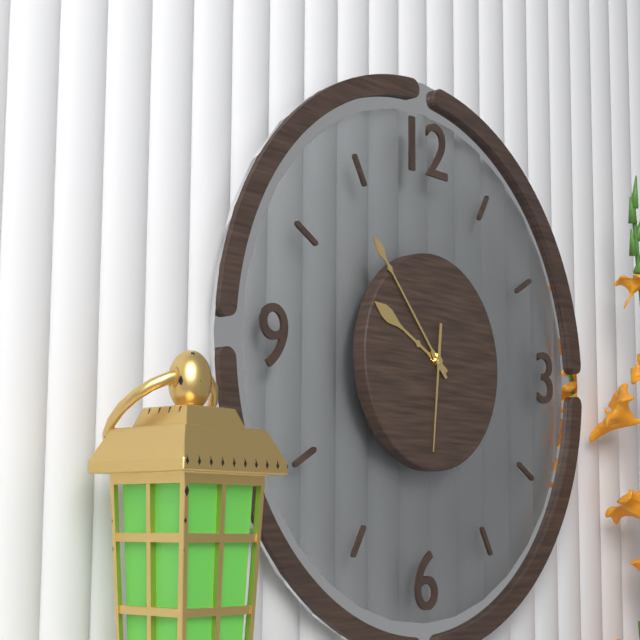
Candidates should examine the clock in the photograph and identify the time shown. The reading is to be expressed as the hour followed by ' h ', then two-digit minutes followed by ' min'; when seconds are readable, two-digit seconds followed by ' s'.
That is 9 h 53 min 31 s
